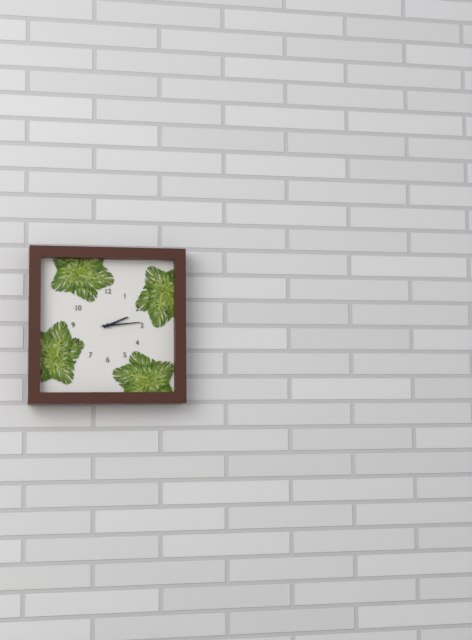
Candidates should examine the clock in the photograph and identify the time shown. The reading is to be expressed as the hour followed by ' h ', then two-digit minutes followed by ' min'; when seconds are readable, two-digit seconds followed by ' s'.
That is 2 h 14 min
